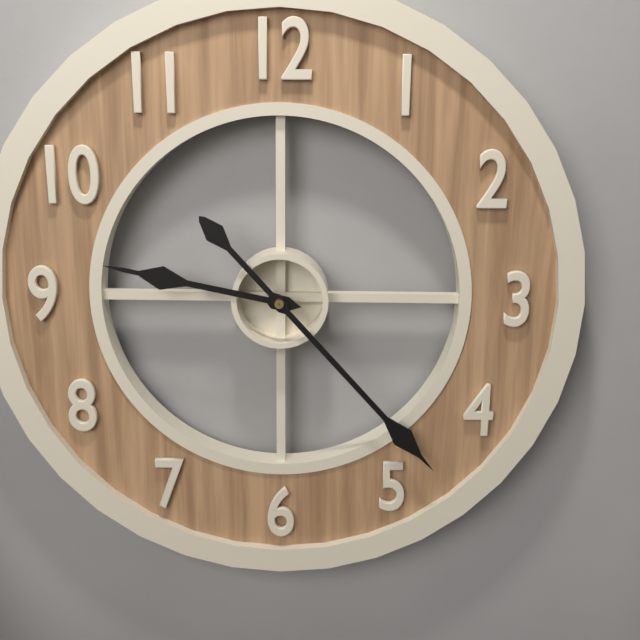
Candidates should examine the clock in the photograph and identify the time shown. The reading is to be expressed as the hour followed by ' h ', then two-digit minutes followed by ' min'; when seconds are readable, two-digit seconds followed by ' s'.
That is 9 h 23 min
